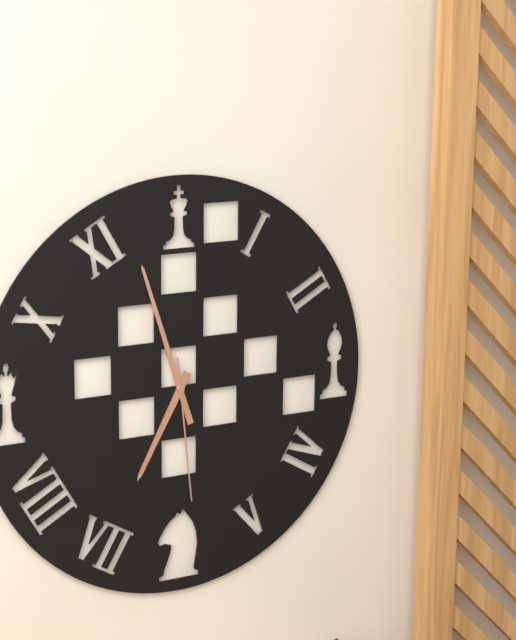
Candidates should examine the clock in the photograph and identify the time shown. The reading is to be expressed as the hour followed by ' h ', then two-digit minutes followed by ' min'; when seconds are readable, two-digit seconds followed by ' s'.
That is 6 h 57 min 29 s
